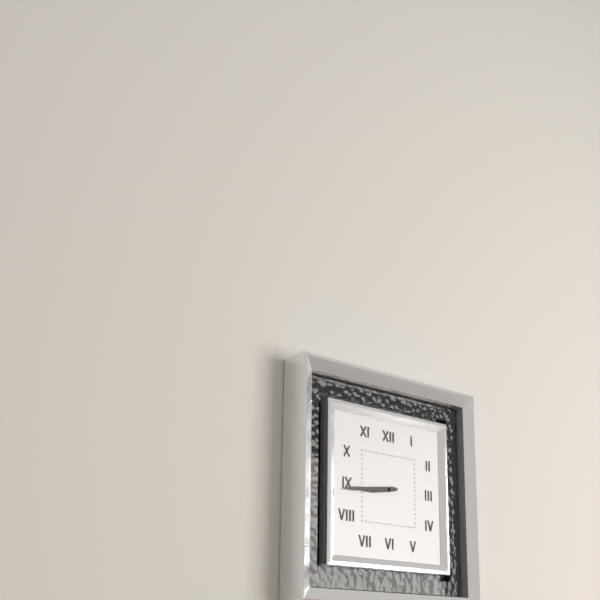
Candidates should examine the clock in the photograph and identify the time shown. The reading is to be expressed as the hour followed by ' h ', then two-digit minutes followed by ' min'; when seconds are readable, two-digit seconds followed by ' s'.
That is 8 h 44 min
